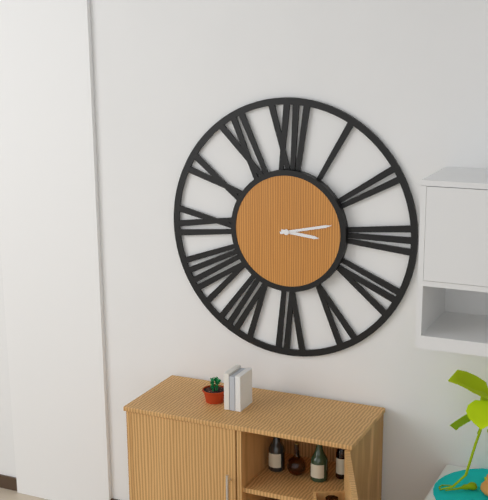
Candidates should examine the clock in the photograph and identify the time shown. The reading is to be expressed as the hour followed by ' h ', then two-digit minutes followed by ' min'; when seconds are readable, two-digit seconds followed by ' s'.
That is 3 h 13 min
